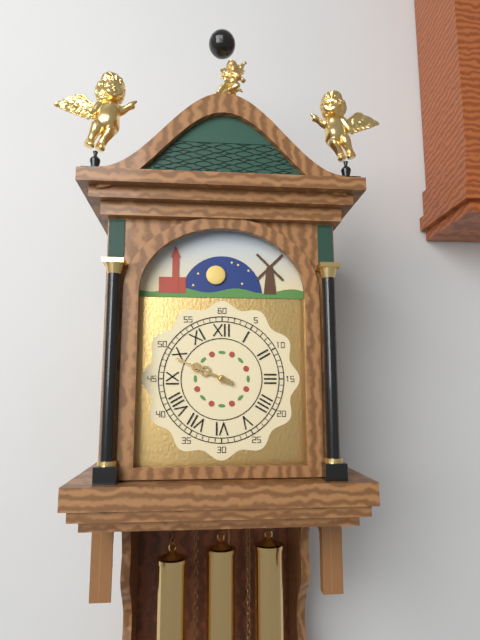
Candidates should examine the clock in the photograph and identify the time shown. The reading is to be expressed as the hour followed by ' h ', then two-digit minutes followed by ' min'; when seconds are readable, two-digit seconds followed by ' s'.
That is 9 h 49 min
